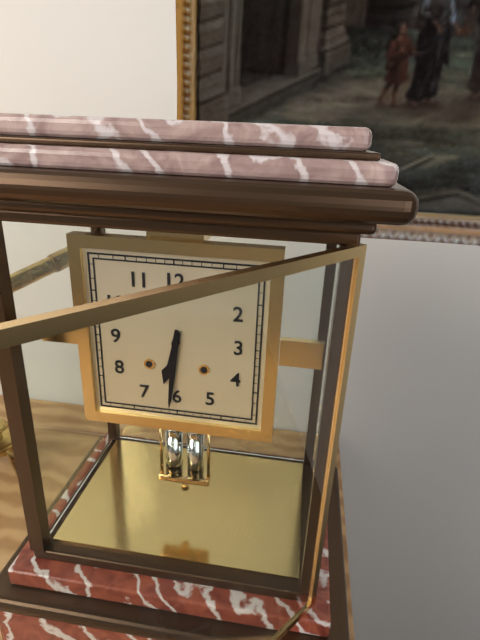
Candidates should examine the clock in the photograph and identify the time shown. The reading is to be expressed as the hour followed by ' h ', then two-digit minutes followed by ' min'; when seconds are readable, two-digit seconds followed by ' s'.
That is 6 h 31 min
